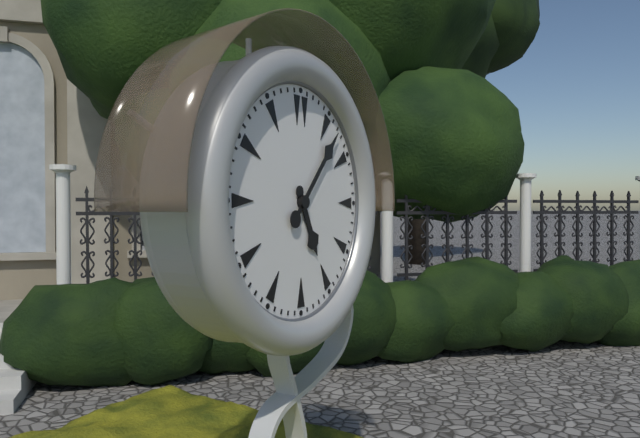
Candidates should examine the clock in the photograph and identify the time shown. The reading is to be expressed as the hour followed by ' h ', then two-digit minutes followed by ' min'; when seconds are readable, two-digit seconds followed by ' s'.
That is 5 h 07 min
